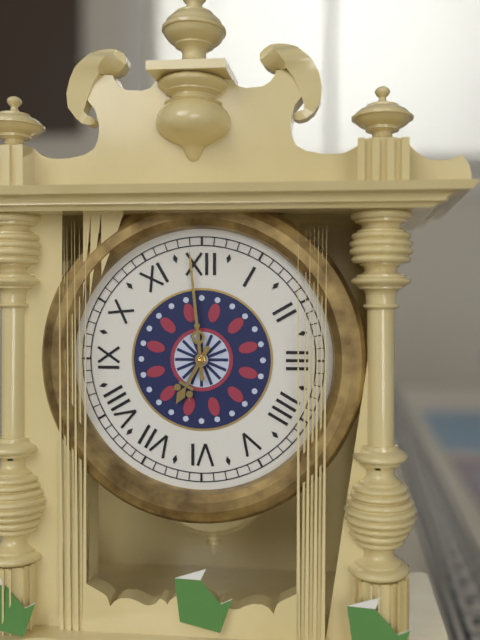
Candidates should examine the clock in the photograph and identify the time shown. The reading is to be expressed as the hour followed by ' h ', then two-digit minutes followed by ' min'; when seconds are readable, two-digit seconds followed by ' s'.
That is 6 h 59 min
